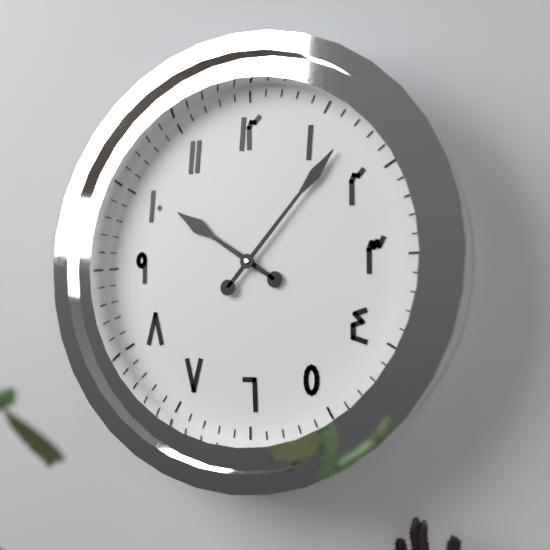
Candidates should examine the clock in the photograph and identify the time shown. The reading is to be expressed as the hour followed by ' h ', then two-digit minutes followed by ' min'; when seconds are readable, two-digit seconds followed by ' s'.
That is 10 h 07 min
